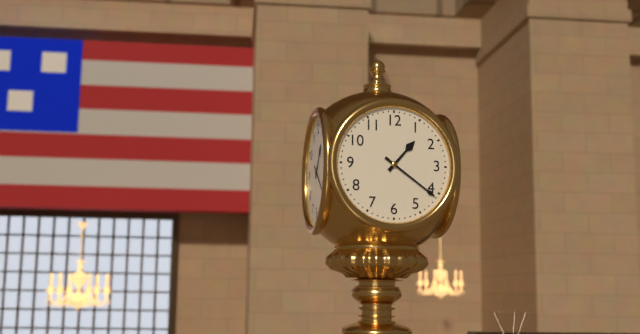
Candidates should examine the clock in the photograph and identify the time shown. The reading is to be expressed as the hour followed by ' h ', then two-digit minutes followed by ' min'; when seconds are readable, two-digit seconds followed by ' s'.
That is 1 h 21 min
